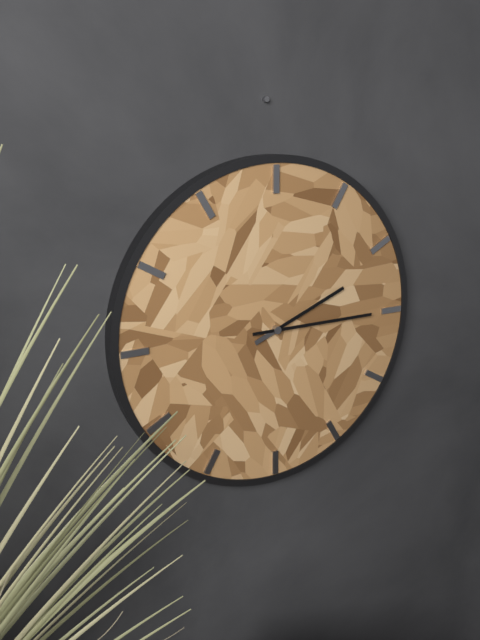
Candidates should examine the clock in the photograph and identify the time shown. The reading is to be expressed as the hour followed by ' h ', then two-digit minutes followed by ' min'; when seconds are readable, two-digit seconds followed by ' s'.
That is 2 h 15 min
